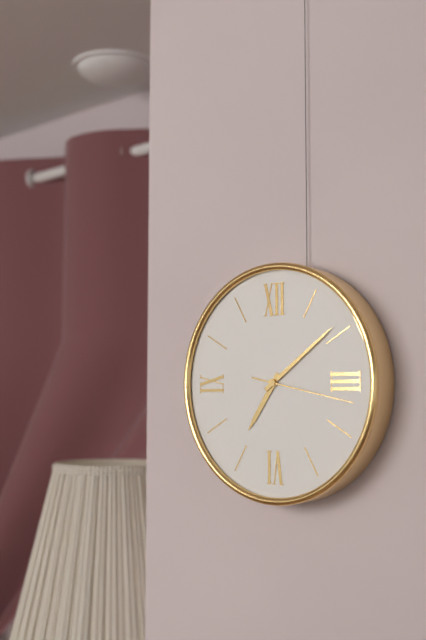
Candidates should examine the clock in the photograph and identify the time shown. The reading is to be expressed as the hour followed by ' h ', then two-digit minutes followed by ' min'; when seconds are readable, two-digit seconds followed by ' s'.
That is 7 h 09 min 17 s
